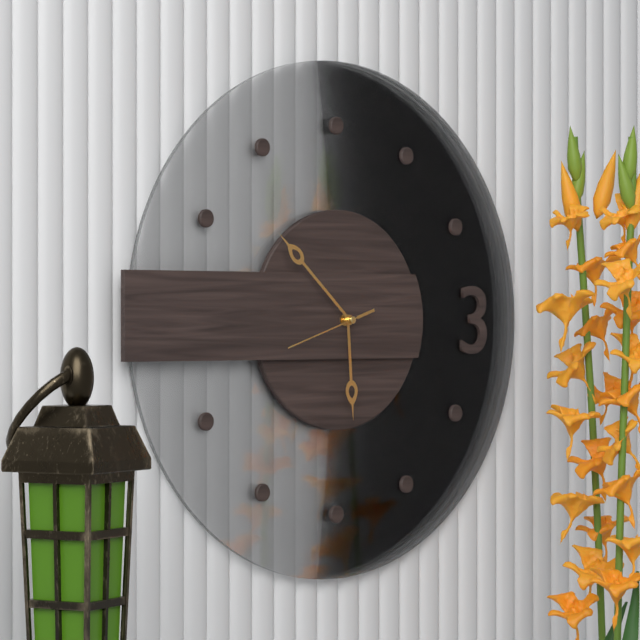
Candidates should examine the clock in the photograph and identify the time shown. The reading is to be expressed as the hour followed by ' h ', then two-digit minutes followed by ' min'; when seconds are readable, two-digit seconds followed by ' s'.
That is 5 h 52 min 42 s
